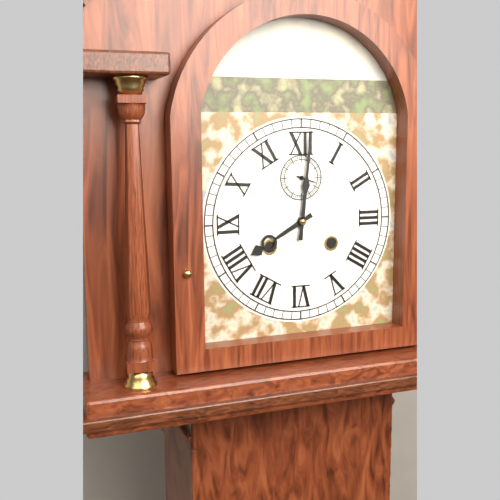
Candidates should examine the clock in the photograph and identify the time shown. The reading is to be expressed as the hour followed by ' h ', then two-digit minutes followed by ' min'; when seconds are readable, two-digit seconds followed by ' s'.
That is 8 h 01 min
